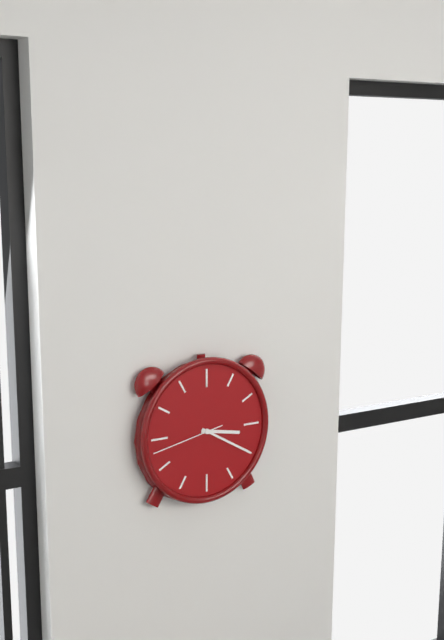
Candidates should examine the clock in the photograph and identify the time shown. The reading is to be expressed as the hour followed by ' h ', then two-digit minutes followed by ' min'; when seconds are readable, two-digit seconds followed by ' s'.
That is 3 h 20 min 43 s
